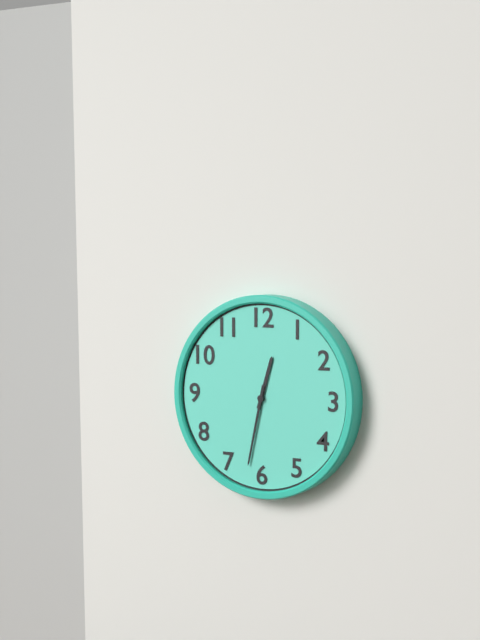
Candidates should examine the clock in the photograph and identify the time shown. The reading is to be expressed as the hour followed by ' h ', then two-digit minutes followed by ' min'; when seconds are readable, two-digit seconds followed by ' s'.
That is 12 h 32 min
